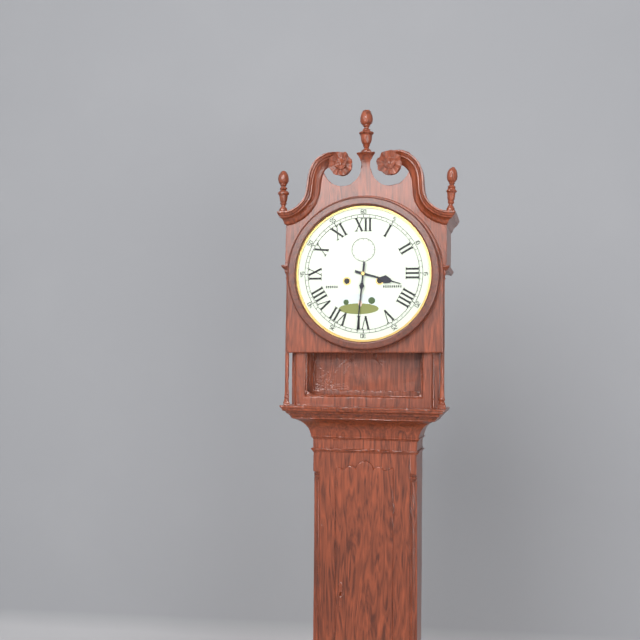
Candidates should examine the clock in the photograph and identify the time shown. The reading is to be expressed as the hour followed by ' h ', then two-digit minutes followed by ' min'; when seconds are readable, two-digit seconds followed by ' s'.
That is 3 h 31 min
